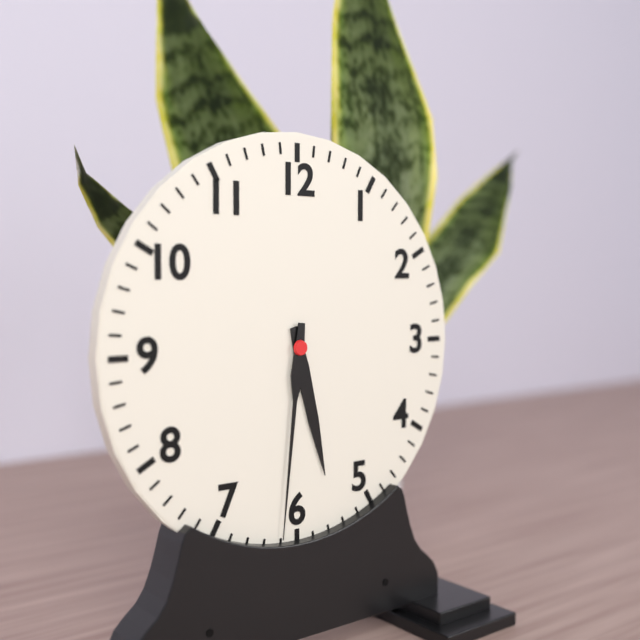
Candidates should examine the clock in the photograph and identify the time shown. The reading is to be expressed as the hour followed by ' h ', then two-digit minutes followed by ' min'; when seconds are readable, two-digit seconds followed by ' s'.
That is 5 h 31 min
